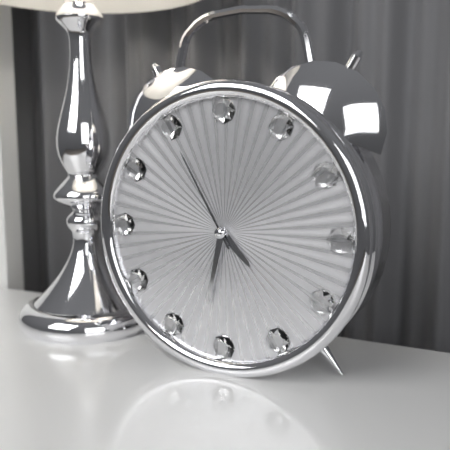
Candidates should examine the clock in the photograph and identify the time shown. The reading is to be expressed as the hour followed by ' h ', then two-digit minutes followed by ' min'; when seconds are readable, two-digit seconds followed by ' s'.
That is 4 h 32 min 55 s
